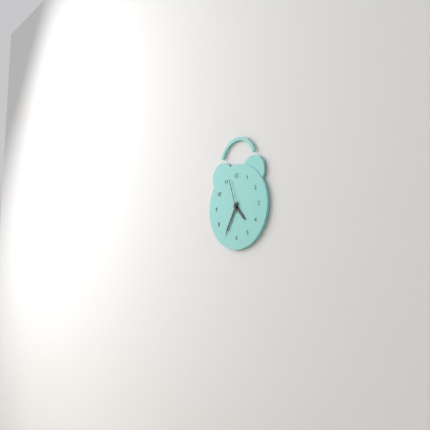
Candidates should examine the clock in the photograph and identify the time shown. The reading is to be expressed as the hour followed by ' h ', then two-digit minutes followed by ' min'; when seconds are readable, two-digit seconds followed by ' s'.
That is 4 h 35 min
